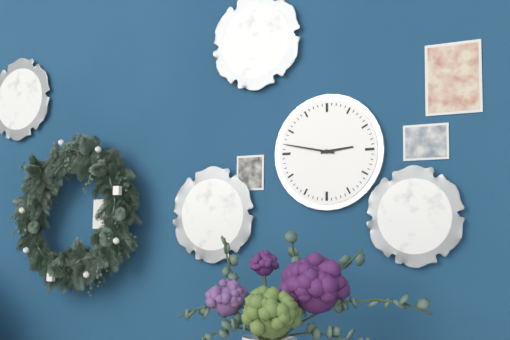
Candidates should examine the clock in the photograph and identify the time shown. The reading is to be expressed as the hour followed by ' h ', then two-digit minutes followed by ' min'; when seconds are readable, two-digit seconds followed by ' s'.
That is 2 h 47 min
